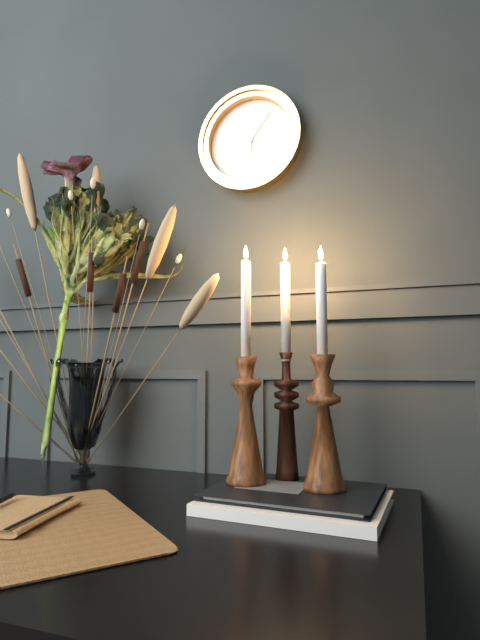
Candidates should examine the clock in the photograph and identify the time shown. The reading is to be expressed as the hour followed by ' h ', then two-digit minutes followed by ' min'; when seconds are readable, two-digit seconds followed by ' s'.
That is 6 h 06 min
